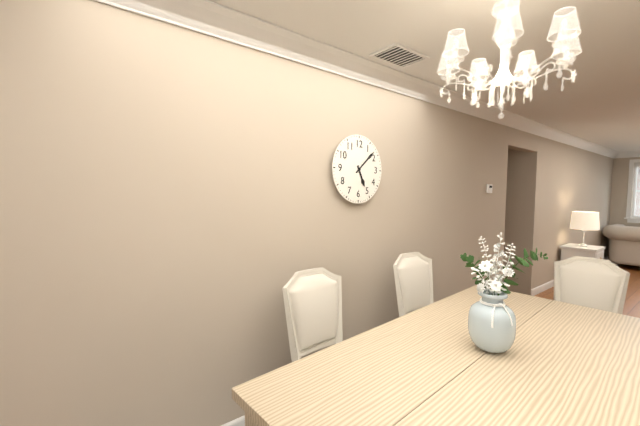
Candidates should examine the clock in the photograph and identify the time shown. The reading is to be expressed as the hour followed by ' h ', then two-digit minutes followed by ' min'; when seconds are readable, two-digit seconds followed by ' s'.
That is 5 h 08 min
